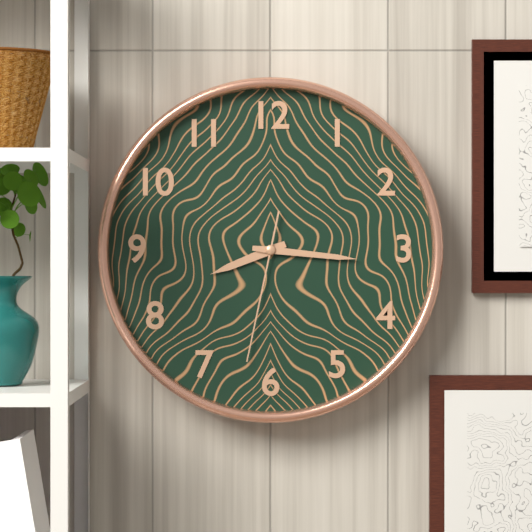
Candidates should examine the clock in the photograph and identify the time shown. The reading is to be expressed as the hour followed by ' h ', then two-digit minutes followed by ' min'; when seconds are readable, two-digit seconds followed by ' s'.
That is 8 h 16 min 32 s
